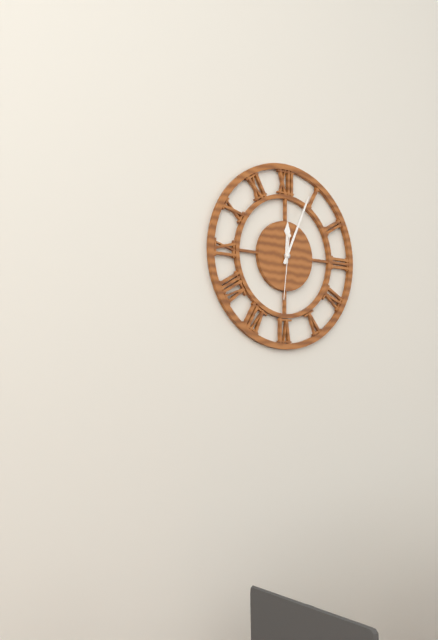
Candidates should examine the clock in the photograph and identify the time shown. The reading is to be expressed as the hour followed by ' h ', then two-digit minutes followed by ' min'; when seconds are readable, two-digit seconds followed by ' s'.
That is 12 h 04 min 31 s
